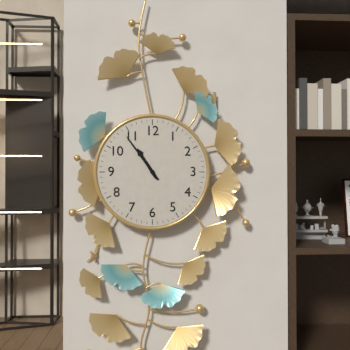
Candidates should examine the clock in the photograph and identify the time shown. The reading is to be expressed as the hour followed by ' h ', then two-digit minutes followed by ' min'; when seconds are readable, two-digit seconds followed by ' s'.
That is 10 h 54 min
